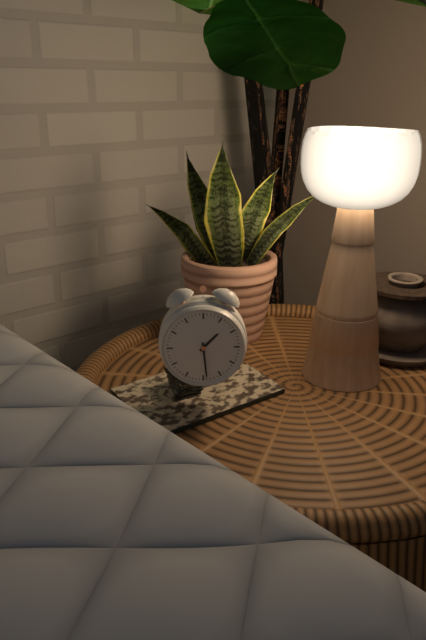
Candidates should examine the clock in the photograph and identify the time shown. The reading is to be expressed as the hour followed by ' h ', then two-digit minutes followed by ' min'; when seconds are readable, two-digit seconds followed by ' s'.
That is 1 h 29 min
